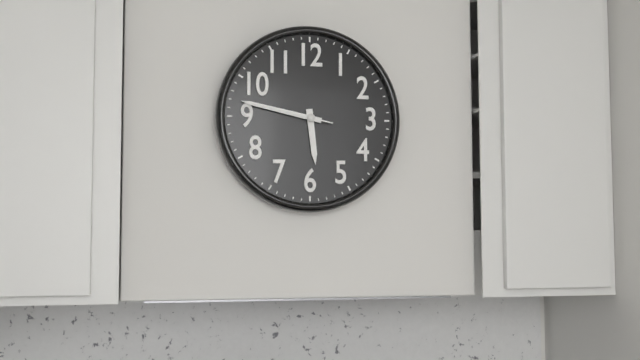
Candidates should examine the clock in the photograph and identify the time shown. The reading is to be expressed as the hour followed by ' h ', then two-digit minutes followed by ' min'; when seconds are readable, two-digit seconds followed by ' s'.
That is 5 h 47 min 47 s
